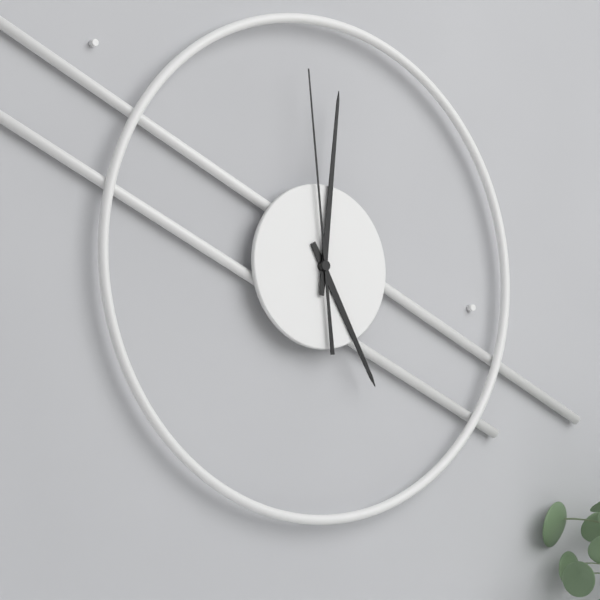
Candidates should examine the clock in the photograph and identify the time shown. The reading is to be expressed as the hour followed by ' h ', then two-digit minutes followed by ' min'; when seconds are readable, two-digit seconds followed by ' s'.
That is 5 h 01 min 59 s
